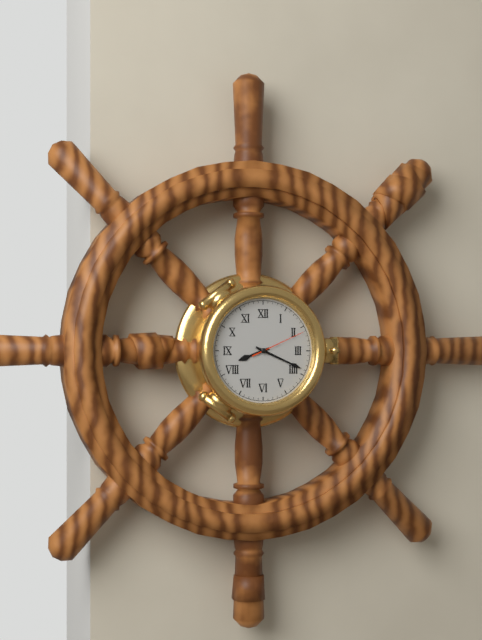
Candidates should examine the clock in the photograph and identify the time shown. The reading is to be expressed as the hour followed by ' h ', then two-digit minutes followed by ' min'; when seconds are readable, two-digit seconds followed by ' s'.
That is 8 h 19 min 11 s
